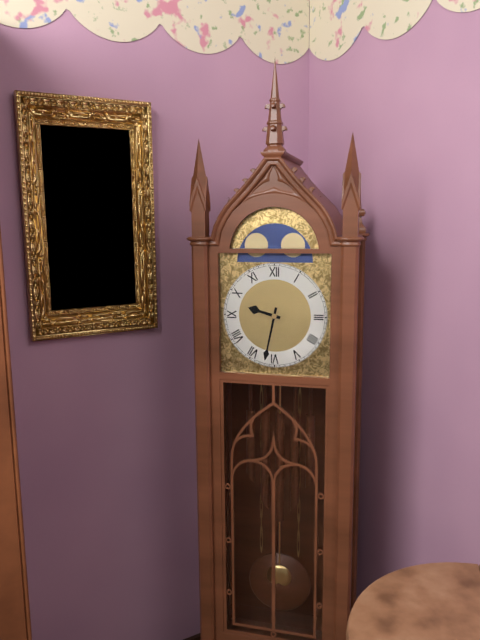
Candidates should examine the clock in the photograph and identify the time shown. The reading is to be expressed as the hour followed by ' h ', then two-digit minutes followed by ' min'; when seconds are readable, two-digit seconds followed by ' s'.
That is 9 h 32 min
